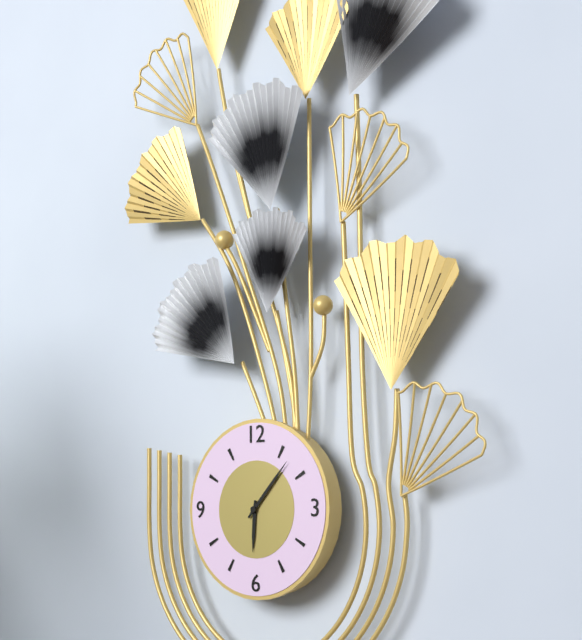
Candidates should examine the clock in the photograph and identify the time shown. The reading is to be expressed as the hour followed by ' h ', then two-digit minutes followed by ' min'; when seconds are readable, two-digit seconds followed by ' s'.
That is 6 h 07 min
